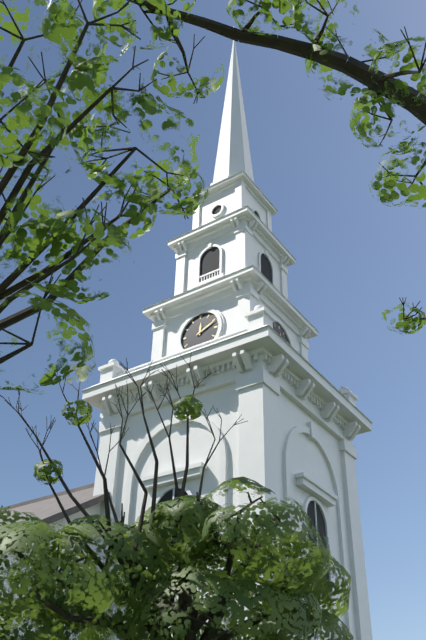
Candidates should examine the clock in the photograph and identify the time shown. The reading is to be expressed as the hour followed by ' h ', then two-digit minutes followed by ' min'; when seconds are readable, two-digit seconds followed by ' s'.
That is 12 h 11 min
